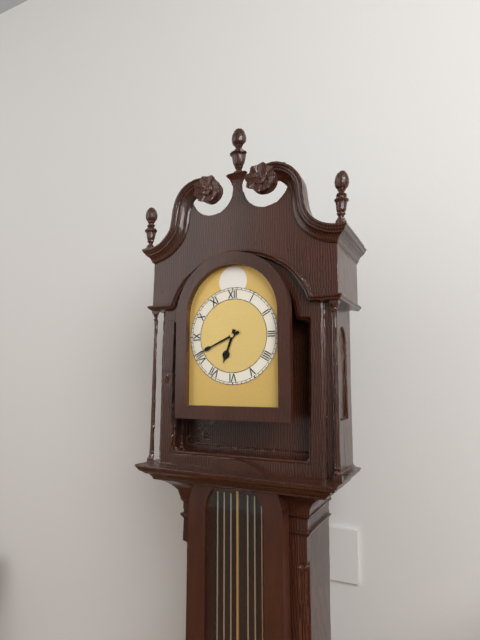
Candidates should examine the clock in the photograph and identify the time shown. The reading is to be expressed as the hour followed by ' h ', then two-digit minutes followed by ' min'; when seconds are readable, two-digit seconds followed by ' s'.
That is 6 h 41 min
